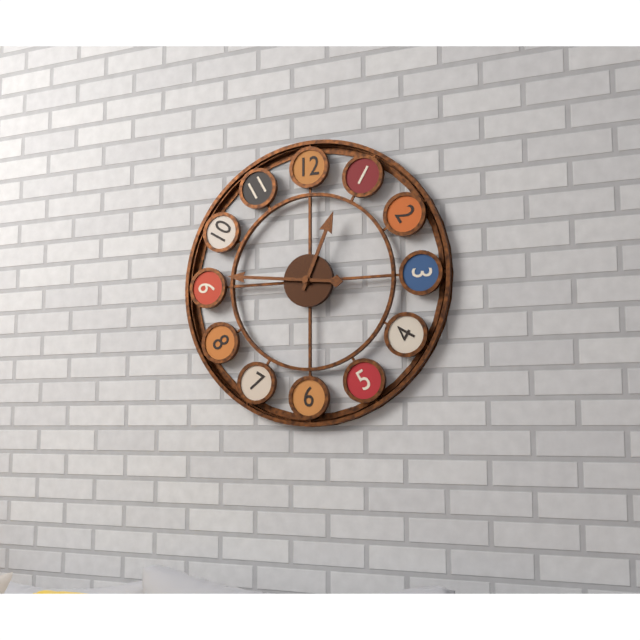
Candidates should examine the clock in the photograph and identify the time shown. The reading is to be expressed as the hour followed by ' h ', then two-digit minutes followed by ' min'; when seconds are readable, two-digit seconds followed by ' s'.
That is 12 h 46 min
